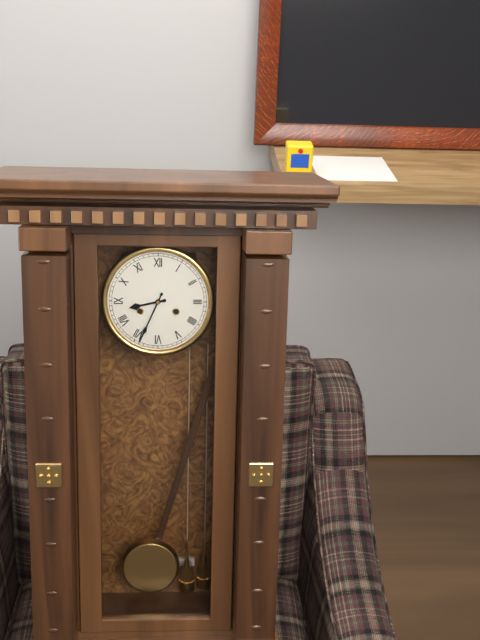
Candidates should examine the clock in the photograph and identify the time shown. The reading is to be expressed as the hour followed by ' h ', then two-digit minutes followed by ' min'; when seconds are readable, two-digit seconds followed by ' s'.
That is 8 h 34 min
